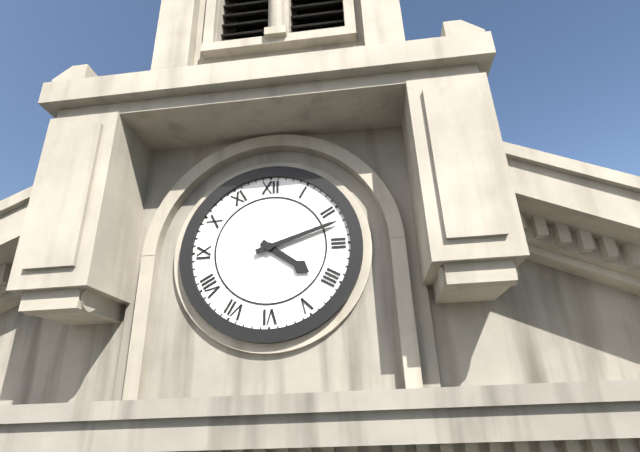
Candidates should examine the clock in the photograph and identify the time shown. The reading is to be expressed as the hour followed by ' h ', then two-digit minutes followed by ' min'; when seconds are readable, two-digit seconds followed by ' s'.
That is 4 h 12 min
